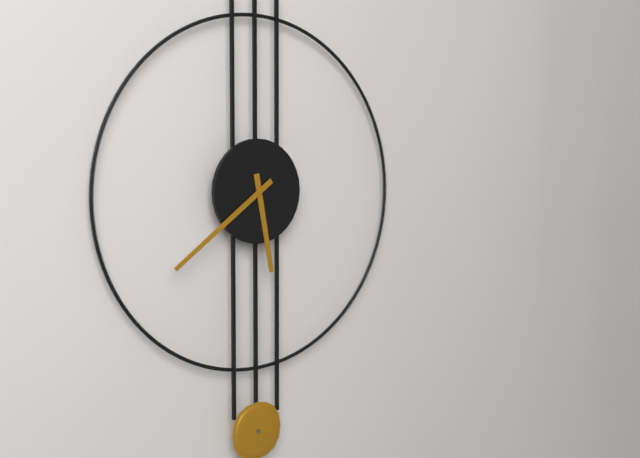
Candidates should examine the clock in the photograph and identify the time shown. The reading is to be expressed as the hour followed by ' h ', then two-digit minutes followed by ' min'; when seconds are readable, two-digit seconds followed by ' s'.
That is 5 h 39 min
